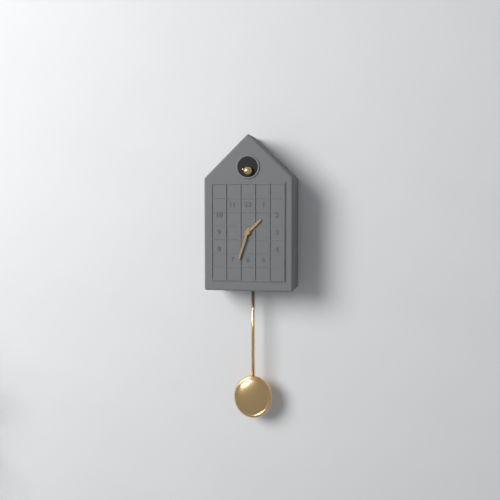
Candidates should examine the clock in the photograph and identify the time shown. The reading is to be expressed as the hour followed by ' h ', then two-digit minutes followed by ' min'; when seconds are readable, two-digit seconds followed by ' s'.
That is 1 h 33 min
